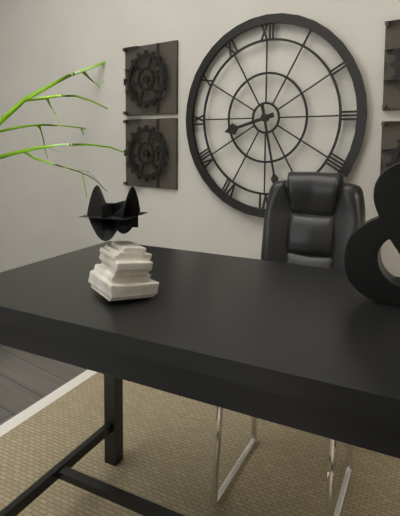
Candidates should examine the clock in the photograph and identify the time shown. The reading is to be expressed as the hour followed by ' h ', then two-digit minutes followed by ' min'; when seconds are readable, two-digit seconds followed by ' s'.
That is 8 h 28 min
